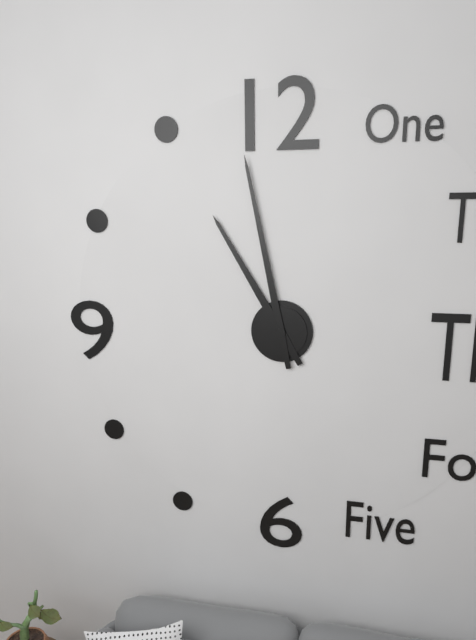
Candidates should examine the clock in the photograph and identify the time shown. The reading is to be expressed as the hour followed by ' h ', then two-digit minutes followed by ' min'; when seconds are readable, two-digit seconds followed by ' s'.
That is 10 h 58 min
